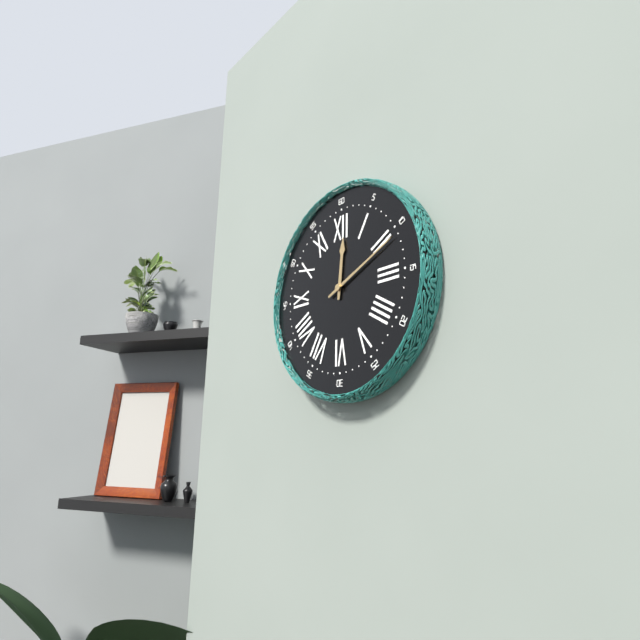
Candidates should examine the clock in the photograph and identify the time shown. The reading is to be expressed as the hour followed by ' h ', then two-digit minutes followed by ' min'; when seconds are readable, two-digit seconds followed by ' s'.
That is 12 h 11 min
